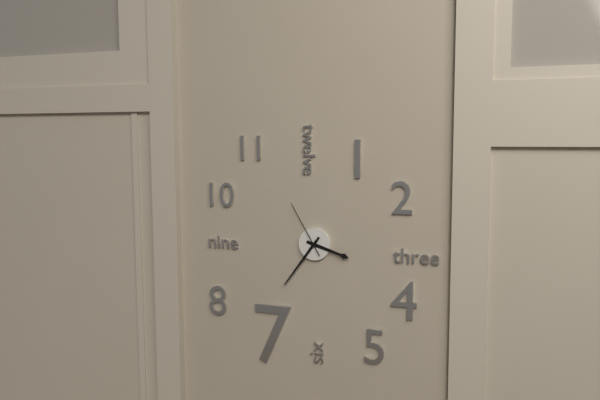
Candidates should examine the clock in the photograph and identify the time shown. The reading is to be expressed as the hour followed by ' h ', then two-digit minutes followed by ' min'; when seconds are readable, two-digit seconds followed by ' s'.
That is 3 h 36 min 55 s
